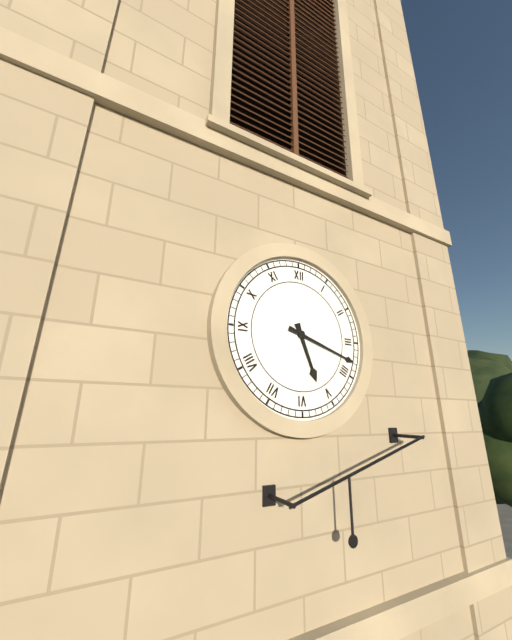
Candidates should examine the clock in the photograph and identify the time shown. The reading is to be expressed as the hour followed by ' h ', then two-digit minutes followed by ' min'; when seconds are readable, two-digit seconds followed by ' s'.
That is 5 h 18 min
